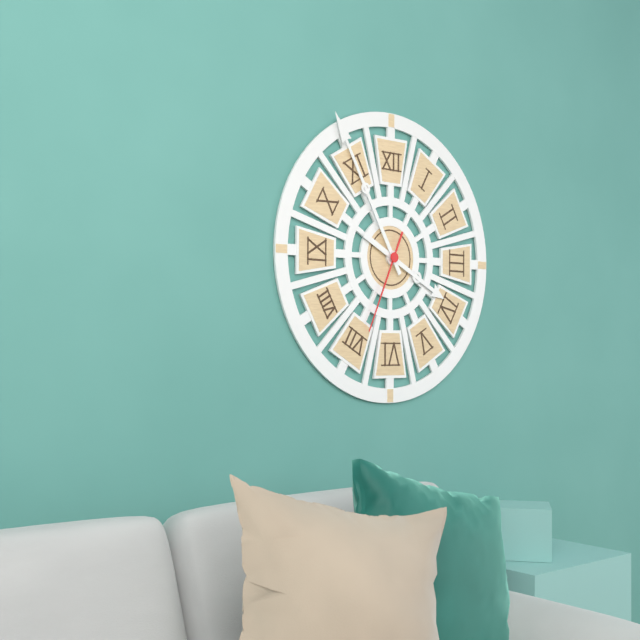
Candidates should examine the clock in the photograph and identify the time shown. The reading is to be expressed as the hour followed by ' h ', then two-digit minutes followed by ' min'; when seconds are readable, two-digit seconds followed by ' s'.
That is 3 h 55 min 34 s
